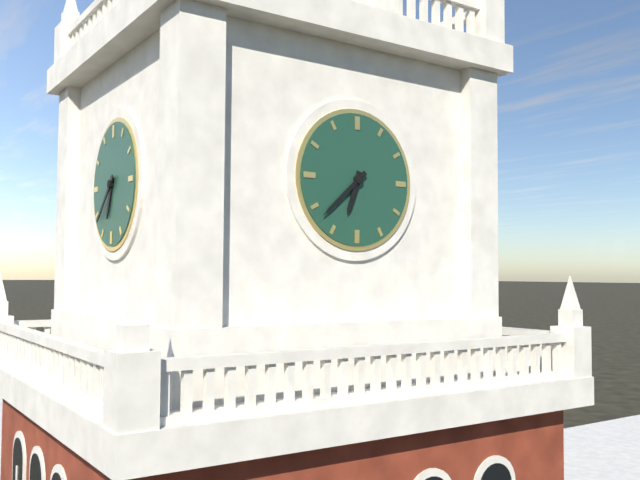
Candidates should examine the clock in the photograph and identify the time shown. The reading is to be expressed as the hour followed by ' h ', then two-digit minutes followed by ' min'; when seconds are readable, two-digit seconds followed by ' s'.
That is 6 h 38 min
